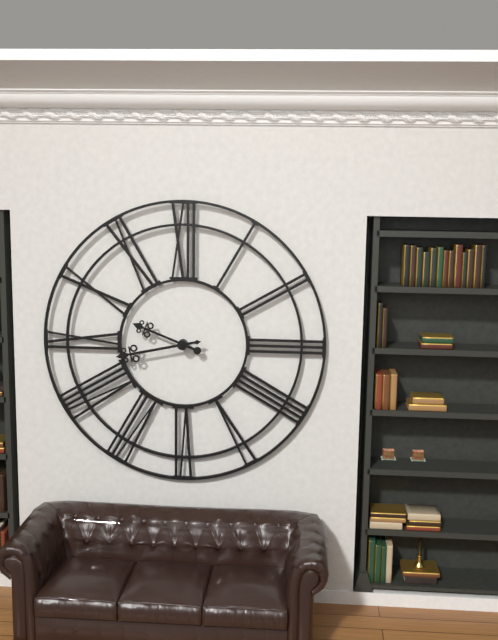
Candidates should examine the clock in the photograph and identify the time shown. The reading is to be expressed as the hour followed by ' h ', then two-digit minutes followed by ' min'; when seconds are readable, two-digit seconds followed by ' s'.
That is 9 h 43 min
